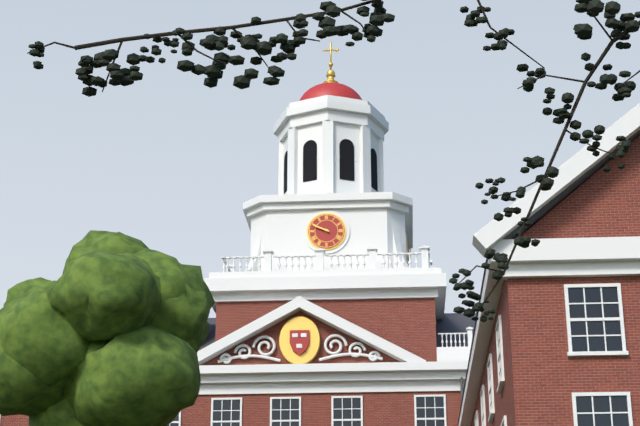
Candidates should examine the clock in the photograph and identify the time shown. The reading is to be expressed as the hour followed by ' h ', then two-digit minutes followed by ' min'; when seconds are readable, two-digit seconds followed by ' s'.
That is 9 h 49 min
